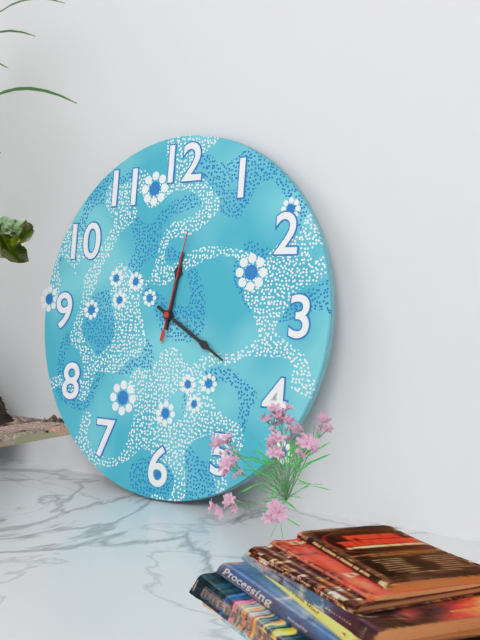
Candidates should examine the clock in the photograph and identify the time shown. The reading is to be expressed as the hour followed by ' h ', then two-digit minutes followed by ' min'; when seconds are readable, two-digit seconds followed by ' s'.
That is 12 h 20 min 02 s
